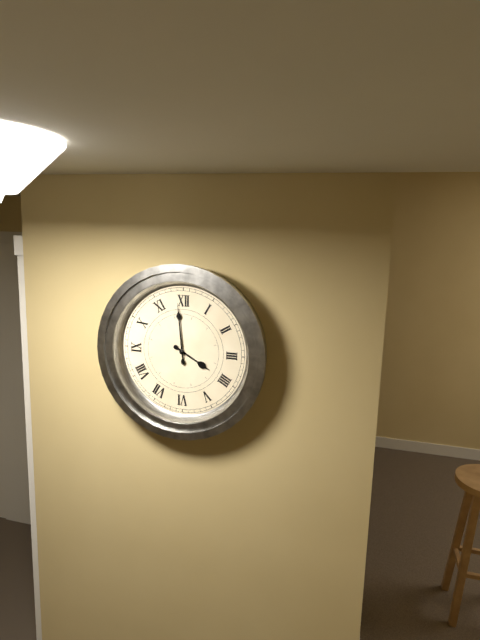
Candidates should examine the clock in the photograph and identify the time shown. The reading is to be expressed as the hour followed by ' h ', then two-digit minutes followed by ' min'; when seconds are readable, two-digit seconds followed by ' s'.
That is 3 h 59 min
